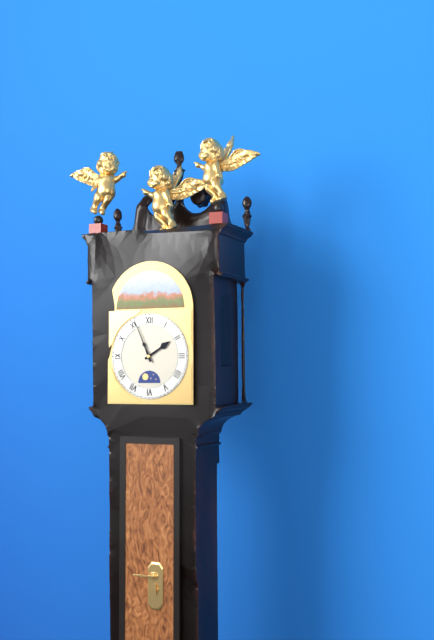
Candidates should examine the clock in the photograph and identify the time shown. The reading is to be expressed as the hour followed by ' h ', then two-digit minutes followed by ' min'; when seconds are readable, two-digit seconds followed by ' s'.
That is 1 h 56 min
